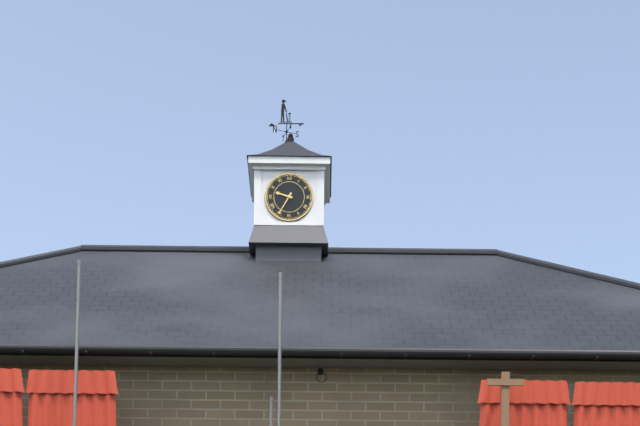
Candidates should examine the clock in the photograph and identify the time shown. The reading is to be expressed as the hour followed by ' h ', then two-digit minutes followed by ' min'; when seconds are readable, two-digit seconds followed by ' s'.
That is 9 h 35 min
